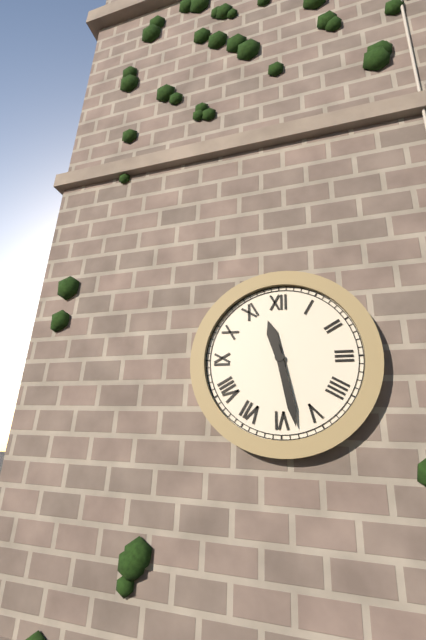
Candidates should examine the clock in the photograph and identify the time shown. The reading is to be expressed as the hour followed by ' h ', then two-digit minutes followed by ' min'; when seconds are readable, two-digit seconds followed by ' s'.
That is 11 h 28 min
